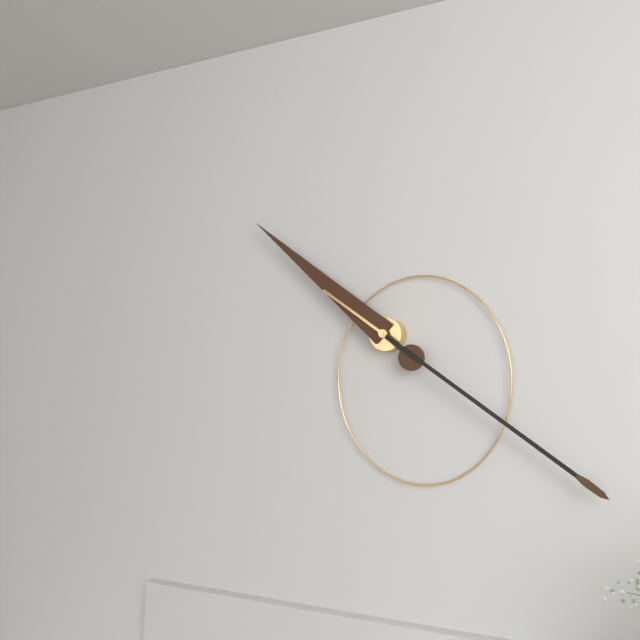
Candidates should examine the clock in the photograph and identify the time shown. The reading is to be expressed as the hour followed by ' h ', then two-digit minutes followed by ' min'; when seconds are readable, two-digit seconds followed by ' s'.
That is 10 h 21 min
